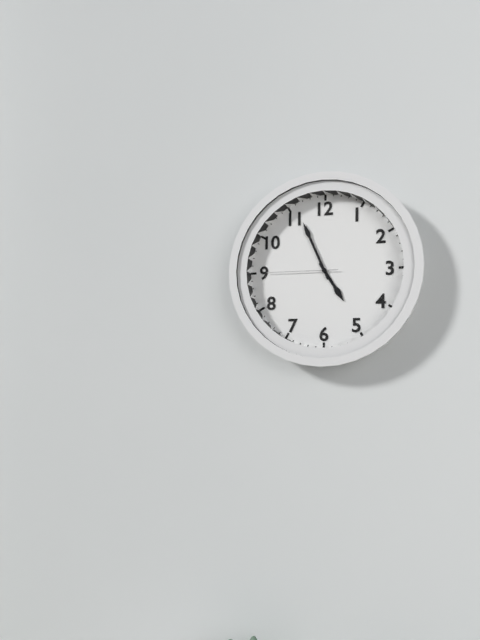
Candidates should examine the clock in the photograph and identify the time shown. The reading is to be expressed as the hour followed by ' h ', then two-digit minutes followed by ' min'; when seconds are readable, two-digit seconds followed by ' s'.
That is 4 h 56 min 45 s
